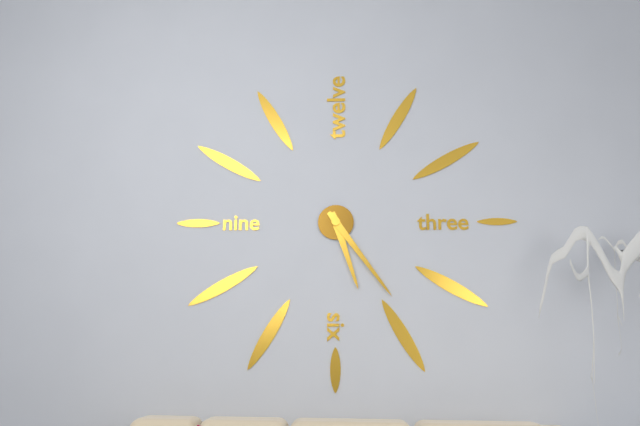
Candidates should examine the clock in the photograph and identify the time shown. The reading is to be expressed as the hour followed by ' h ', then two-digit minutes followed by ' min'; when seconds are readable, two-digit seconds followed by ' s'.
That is 5 h 24 min
